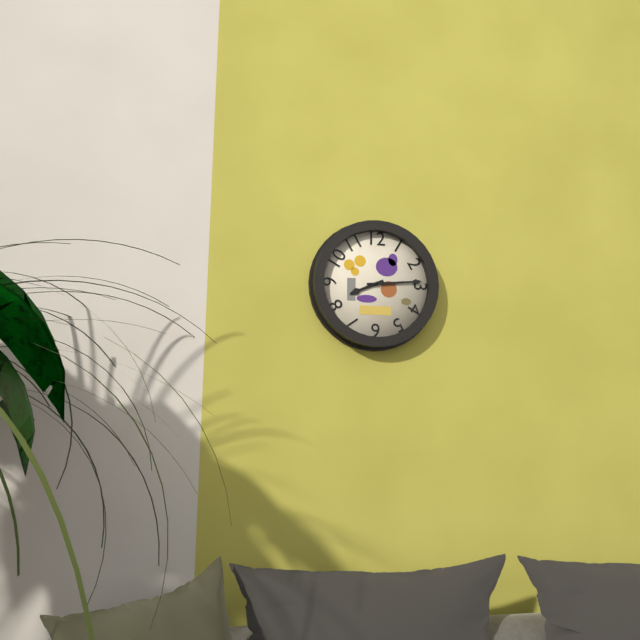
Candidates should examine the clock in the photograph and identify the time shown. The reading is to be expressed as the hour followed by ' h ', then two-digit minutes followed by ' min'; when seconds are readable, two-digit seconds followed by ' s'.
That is 8 h 14 min
